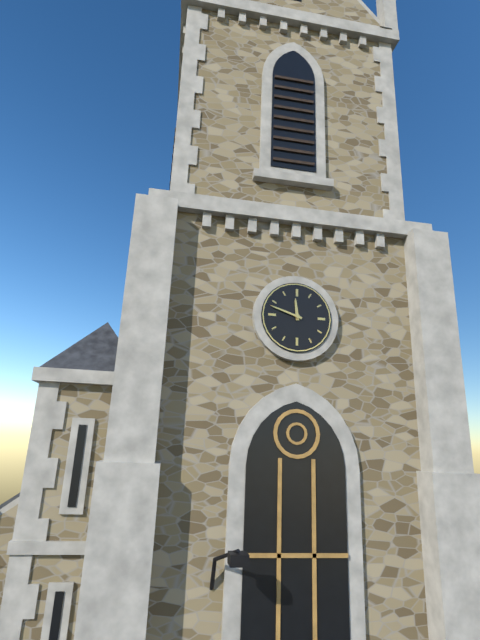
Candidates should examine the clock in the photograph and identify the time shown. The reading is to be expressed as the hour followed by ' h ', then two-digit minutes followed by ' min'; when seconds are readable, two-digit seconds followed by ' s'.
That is 11 h 48 min
